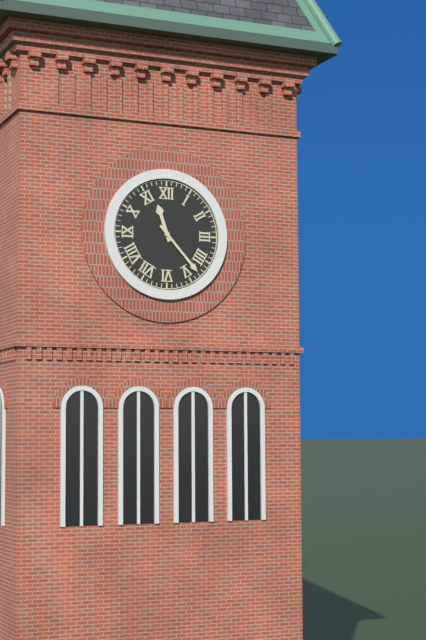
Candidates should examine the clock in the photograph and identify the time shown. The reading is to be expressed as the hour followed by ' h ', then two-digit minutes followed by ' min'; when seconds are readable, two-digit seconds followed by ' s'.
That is 11 h 23 min
